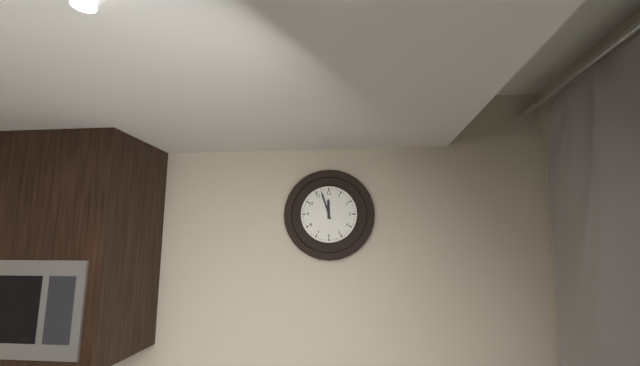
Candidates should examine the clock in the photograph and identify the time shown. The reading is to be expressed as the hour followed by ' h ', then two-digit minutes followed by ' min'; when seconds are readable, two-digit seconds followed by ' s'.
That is 11 h 57 min
